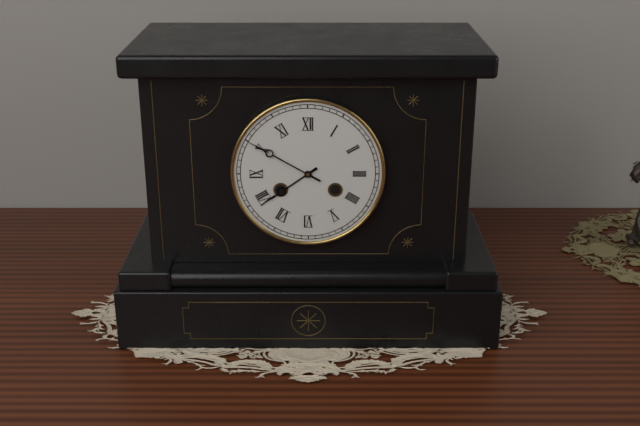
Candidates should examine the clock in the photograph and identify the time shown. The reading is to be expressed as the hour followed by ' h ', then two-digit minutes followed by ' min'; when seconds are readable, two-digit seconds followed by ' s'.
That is 7 h 50 min
